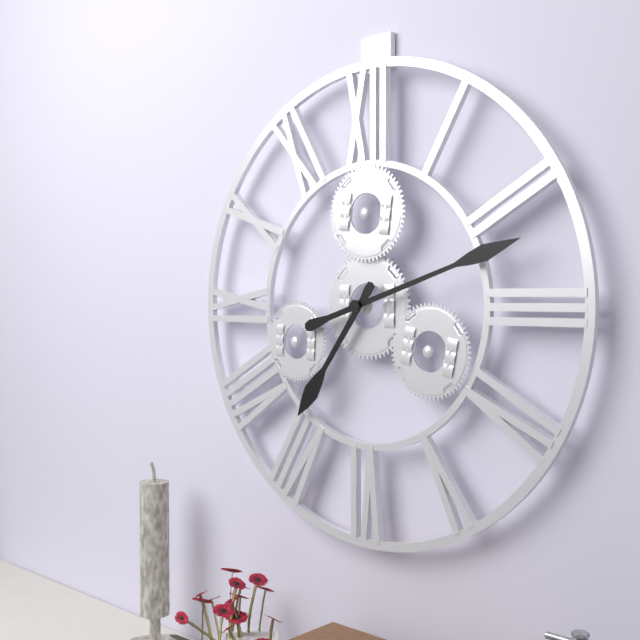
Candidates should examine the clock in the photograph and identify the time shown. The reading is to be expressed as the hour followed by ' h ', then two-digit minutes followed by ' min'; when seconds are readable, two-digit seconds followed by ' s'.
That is 7 h 12 min
